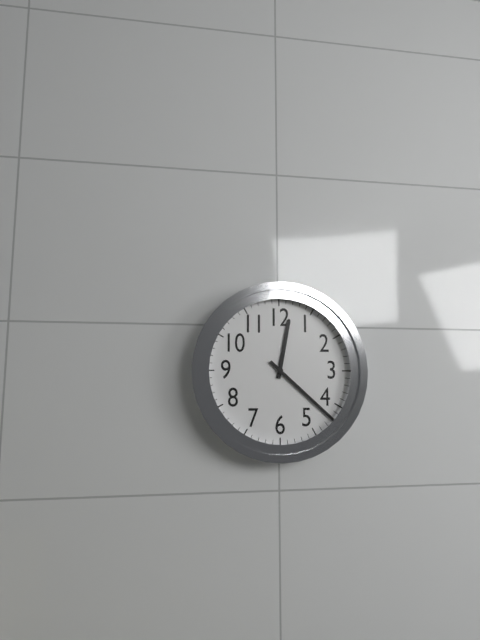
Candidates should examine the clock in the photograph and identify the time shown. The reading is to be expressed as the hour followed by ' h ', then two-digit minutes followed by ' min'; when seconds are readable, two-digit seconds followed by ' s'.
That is 12 h 22 min
